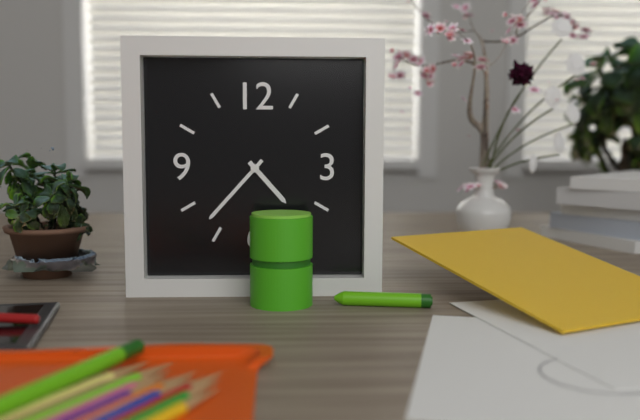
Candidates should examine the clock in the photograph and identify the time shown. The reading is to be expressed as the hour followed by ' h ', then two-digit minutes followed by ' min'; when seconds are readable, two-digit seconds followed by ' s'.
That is 4 h 37 min
